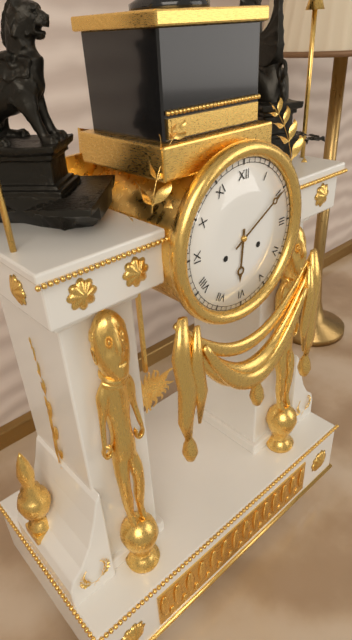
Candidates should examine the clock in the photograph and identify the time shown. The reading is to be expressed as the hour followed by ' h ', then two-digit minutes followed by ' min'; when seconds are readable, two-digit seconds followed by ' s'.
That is 6 h 10 min
